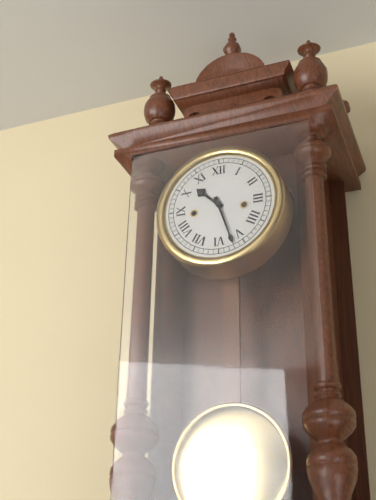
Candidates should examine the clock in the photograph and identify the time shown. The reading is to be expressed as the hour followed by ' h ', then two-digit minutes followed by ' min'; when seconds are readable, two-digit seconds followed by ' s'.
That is 10 h 27 min
